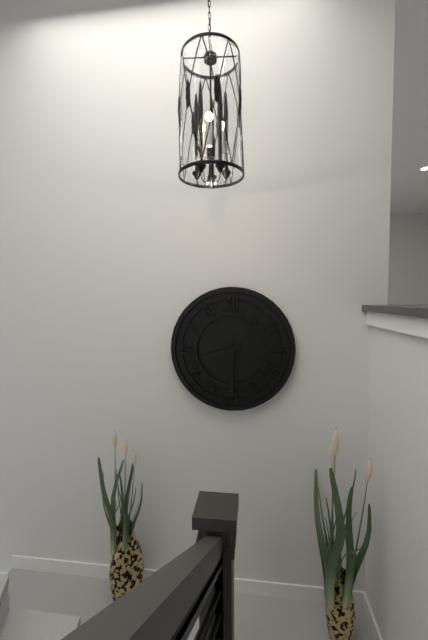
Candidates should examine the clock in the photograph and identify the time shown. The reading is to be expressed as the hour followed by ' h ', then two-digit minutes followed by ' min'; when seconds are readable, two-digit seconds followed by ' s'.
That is 8 h 30 min 07 s
